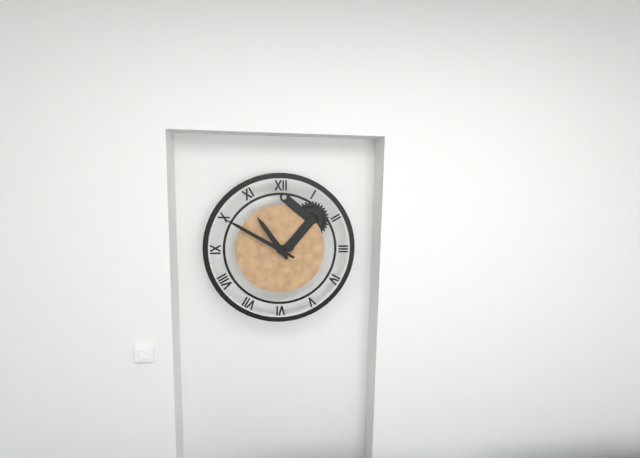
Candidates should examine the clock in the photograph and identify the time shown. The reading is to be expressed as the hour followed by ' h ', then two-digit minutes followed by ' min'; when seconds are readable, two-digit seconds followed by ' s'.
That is 10 h 50 min
